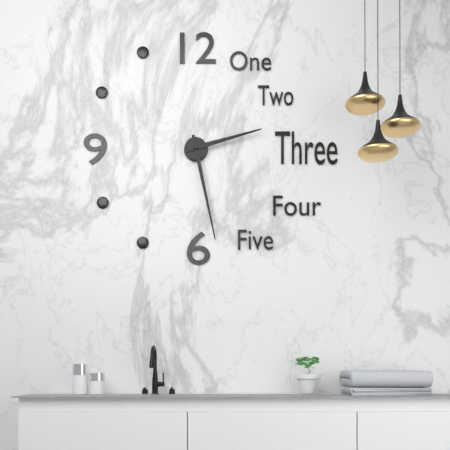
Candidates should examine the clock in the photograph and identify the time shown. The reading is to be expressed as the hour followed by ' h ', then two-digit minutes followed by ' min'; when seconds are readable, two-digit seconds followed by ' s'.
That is 2 h 28 min
